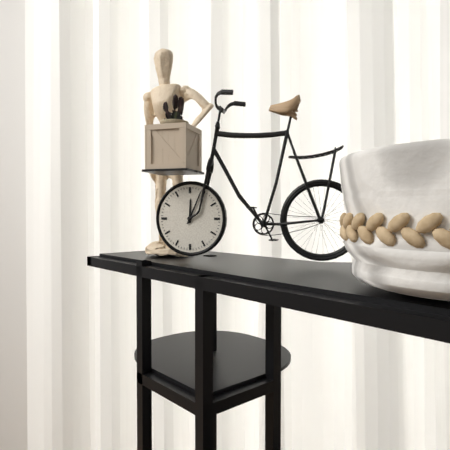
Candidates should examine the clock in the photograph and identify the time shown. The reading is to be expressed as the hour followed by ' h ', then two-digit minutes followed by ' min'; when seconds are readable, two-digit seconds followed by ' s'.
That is 12 h 04 min
